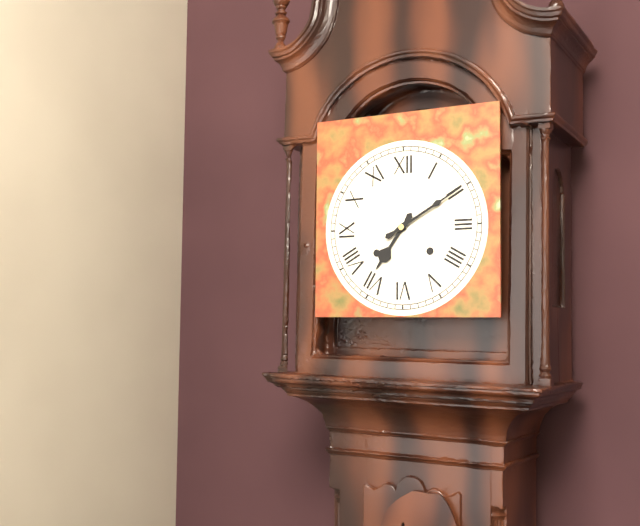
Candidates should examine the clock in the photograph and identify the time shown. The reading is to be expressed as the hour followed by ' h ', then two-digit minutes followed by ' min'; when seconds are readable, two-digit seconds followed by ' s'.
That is 7 h 10 min
